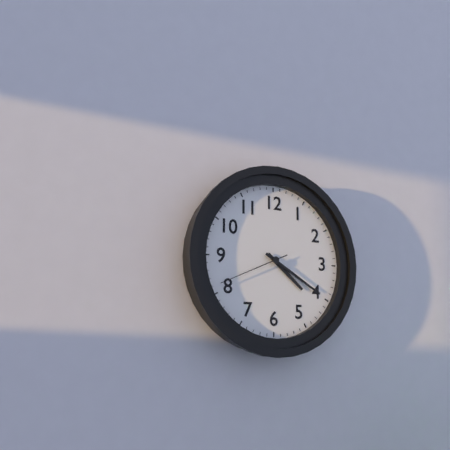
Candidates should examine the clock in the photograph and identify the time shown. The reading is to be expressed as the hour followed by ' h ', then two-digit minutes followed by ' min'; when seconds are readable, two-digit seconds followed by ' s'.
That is 4 h 20 min 41 s
